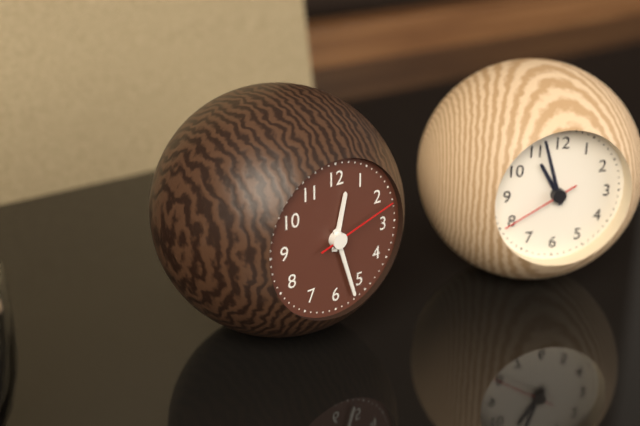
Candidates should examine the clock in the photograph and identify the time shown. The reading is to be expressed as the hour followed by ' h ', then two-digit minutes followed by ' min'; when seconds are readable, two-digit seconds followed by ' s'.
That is 12 h 27 min 12 s
